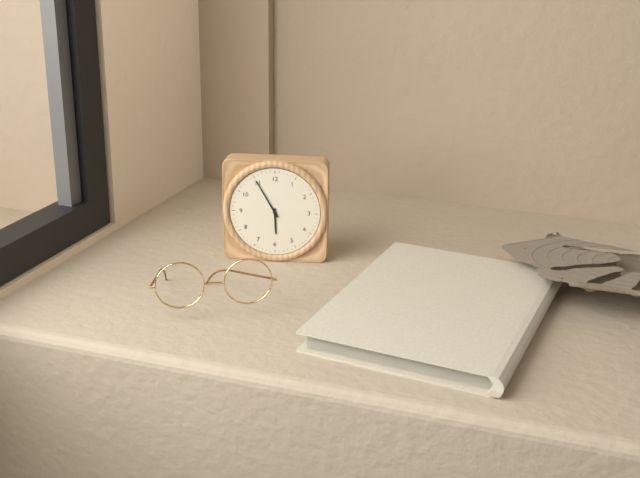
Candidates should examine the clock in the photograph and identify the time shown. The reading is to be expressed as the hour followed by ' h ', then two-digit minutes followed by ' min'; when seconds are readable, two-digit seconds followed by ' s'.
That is 5 h 55 min
